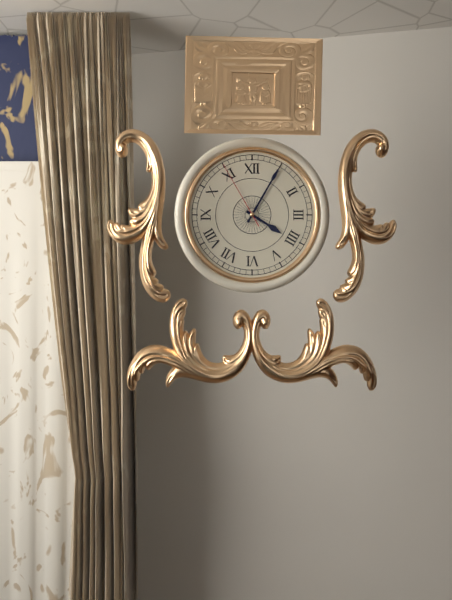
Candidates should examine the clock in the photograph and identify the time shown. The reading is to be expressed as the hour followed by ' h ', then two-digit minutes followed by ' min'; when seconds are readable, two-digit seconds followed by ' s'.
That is 4 h 05 min 55 s
